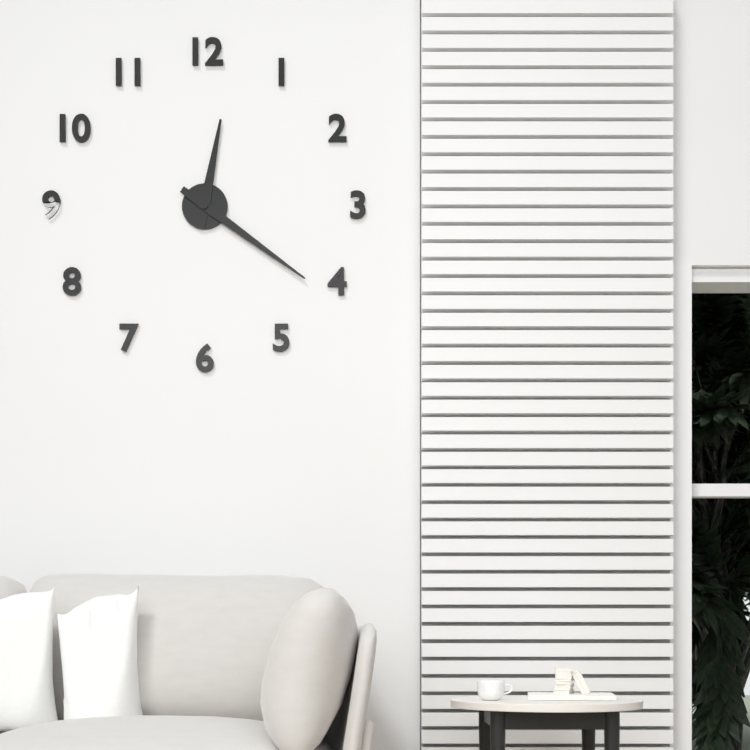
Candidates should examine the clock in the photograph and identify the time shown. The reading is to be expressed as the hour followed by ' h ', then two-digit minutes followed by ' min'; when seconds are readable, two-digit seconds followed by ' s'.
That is 12 h 21 min
